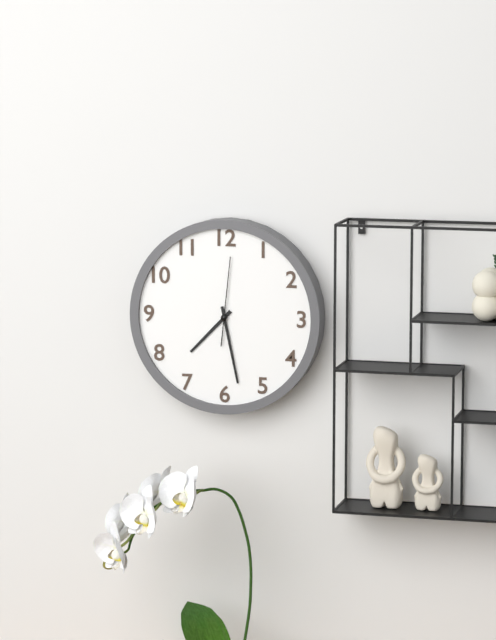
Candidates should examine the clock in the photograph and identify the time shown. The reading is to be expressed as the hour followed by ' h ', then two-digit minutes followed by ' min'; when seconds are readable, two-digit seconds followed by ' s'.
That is 7 h 28 min 01 s
